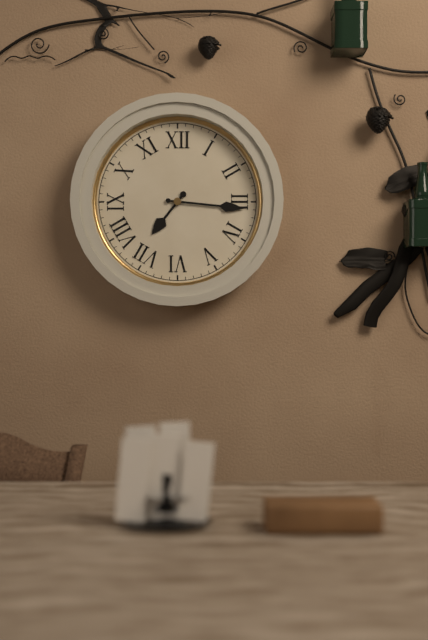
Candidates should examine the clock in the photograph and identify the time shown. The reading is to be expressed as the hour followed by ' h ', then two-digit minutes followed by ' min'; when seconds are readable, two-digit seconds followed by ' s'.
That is 7 h 16 min
